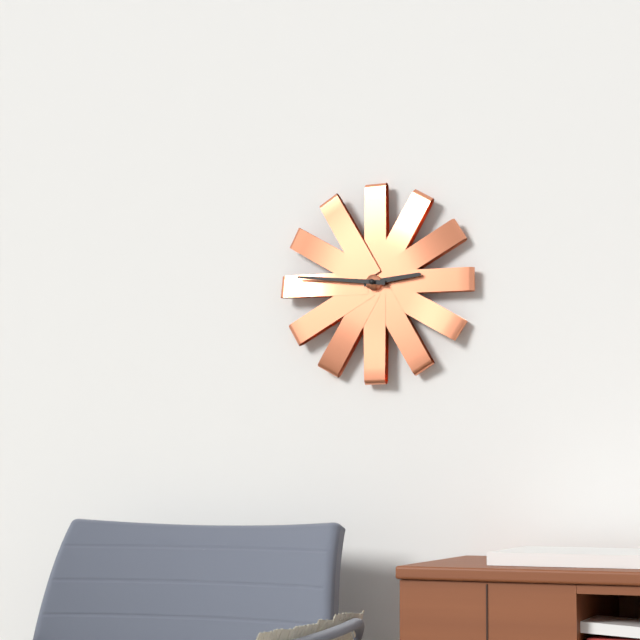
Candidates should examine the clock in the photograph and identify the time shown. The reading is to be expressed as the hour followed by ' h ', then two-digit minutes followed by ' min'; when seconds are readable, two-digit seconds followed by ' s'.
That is 2 h 46 min
